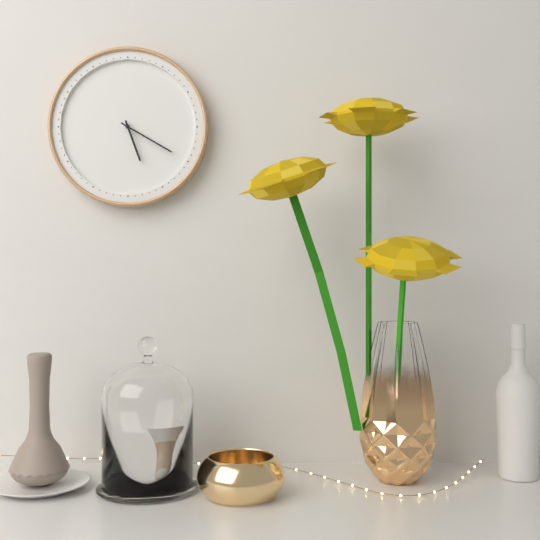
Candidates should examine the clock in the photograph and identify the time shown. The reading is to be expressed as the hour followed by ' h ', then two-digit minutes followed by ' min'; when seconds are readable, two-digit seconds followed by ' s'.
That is 5 h 20 min
